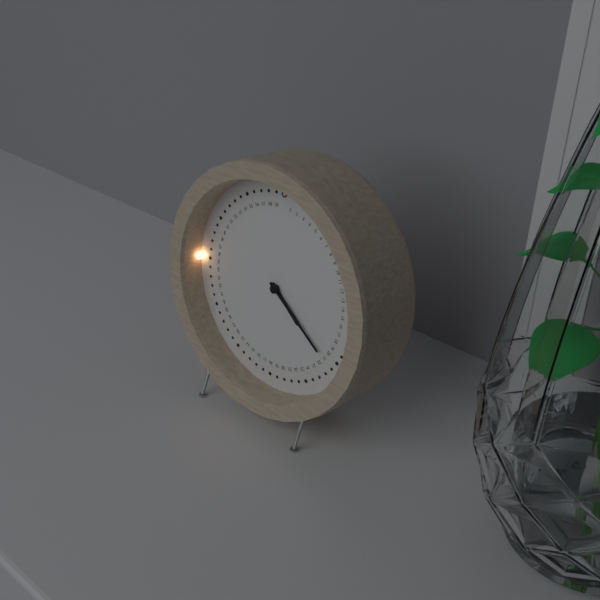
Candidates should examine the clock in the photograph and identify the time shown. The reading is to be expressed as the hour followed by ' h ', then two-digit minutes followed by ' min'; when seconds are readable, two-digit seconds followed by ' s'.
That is 4 h 21 min
